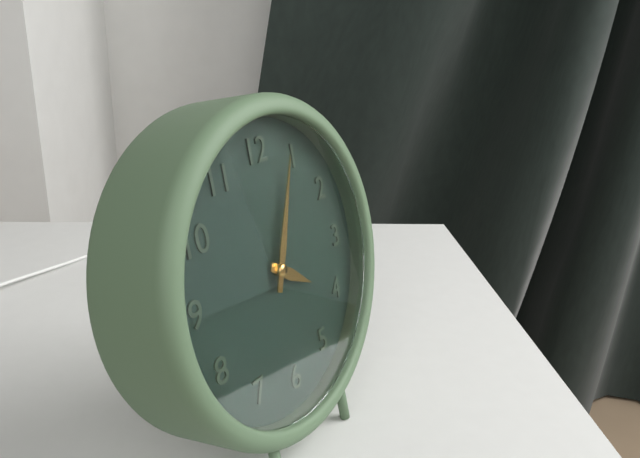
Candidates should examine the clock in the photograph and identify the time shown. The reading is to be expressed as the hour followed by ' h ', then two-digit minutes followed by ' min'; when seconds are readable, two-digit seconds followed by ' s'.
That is 4 h 04 min
